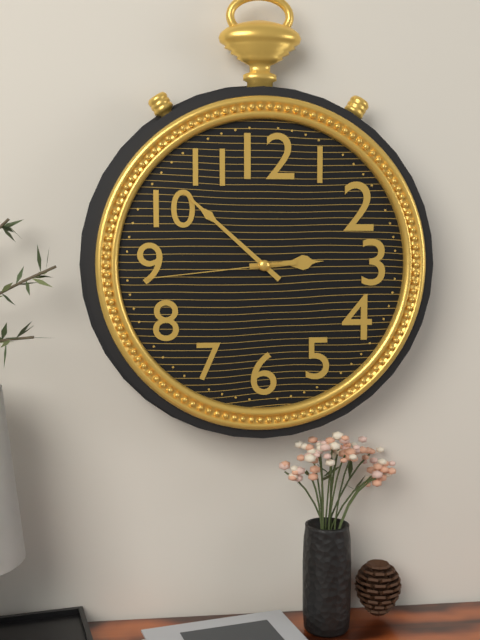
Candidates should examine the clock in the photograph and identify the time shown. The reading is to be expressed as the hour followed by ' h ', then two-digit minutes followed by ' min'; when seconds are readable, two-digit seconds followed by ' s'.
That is 2 h 52 min 44 s
